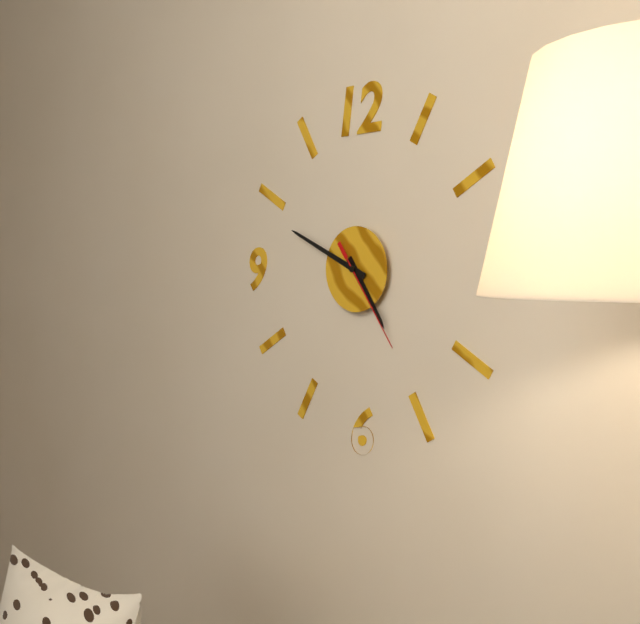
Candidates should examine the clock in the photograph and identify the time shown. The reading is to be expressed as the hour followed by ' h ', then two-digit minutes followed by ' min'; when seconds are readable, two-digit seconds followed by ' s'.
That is 4 h 49 min 24 s
